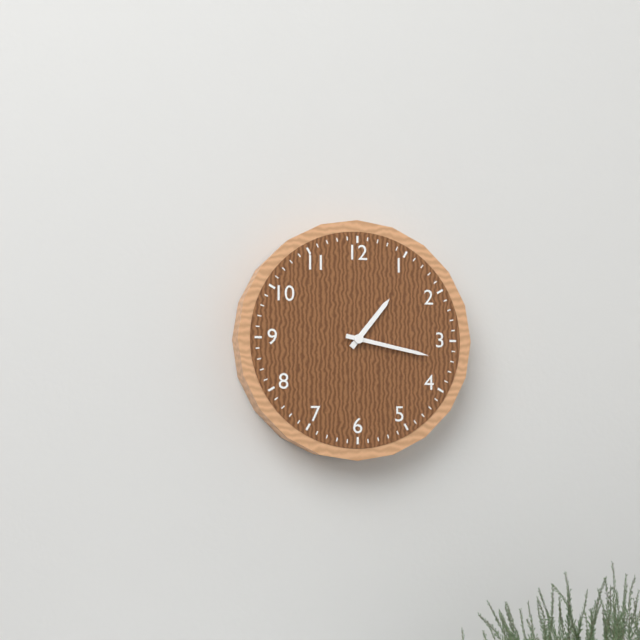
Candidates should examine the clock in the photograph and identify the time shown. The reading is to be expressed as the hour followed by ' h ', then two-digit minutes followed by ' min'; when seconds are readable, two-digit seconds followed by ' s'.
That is 1 h 17 min
